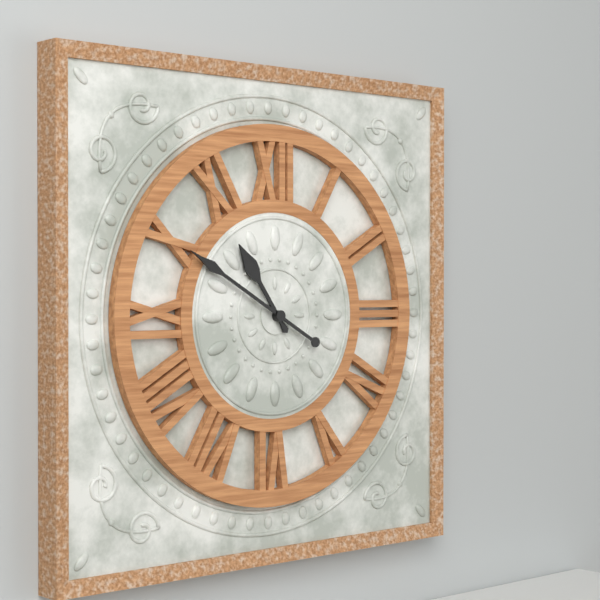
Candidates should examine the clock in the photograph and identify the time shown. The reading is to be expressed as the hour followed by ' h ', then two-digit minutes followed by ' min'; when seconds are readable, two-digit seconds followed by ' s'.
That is 10 h 50 min
